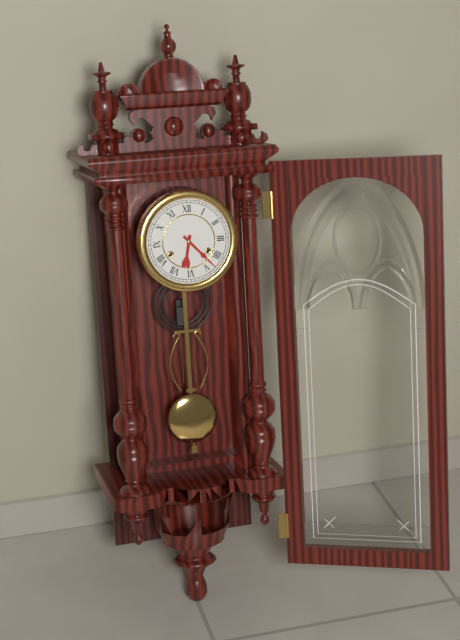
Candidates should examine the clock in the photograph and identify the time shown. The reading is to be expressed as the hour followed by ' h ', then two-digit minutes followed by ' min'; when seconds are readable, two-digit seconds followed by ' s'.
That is 6 h 23 min
